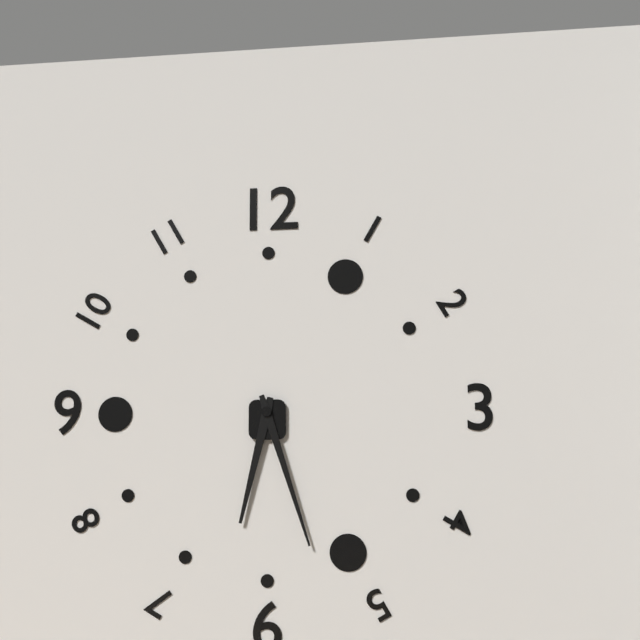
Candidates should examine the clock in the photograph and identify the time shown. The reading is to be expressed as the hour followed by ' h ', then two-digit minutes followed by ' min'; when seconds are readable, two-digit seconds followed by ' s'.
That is 6 h 27 min
